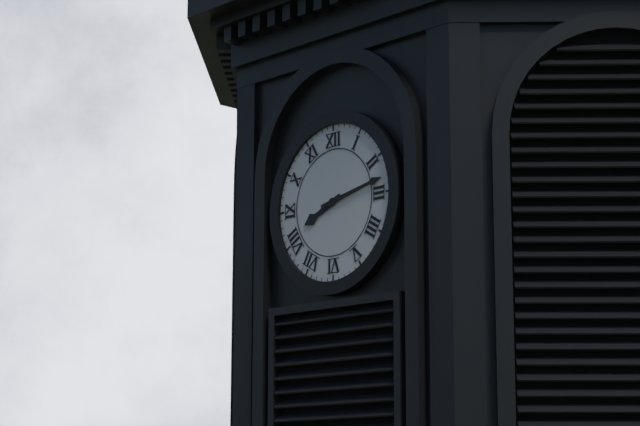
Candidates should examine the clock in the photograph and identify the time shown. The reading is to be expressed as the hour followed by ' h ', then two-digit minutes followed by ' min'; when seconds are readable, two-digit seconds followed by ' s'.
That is 8 h 13 min
